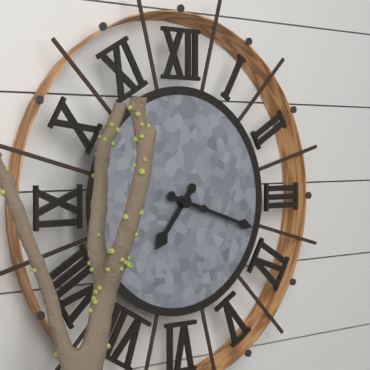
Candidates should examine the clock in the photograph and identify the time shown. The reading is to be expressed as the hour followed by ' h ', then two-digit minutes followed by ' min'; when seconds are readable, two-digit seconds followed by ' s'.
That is 7 h 18 min
